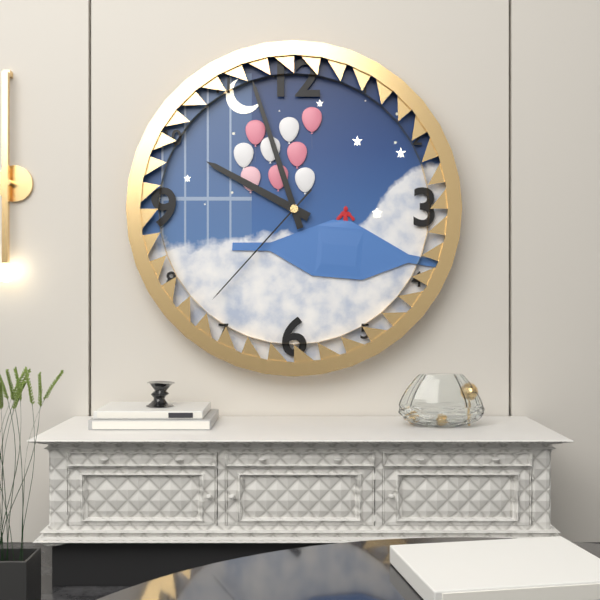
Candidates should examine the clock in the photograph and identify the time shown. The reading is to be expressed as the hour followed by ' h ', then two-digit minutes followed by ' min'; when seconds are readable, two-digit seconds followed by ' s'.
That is 9 h 57 min 37 s
